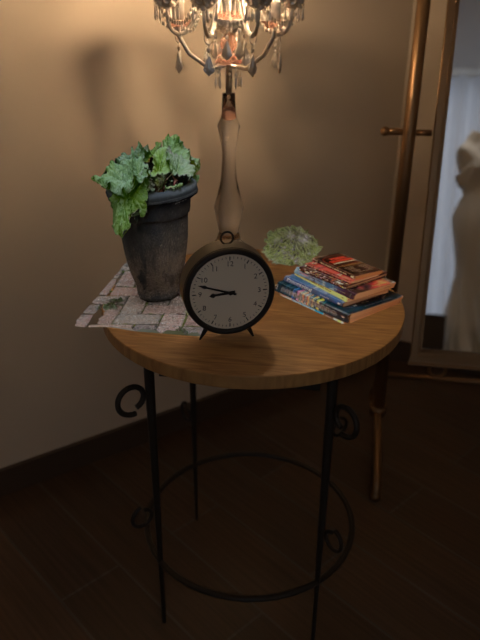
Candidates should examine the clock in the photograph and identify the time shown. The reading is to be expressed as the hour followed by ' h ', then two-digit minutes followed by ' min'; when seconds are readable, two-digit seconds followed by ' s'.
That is 8 h 48 min
